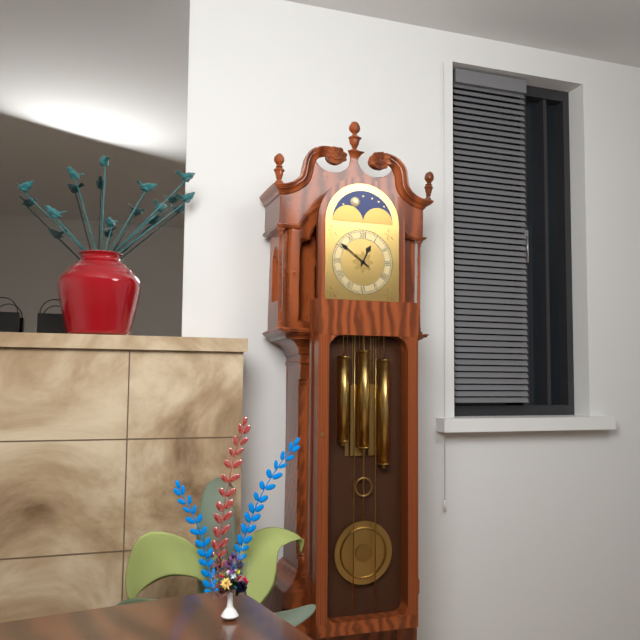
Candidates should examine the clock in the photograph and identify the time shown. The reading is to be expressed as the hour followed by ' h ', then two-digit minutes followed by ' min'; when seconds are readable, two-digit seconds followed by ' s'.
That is 12 h 51 min
